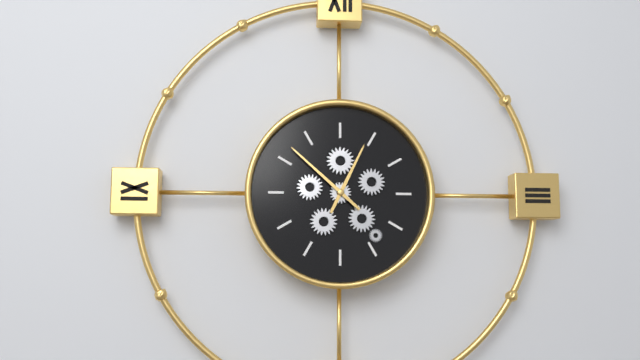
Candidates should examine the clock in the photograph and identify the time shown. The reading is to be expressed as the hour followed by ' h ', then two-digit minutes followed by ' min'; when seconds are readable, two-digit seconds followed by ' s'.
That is 12 h 52 min
